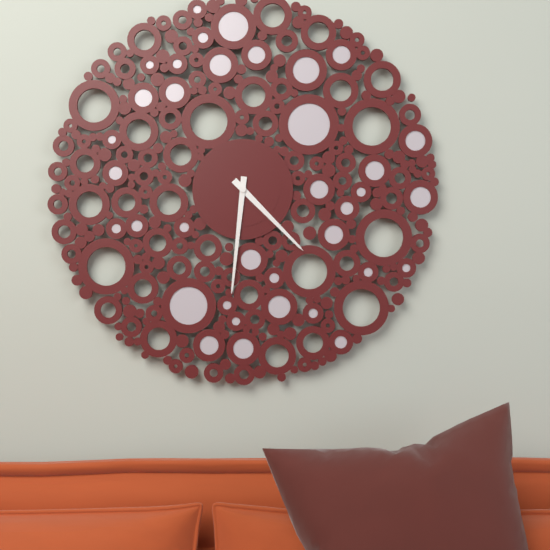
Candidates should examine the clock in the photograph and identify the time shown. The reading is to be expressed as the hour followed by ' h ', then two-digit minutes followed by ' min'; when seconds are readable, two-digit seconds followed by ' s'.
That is 4 h 31 min
